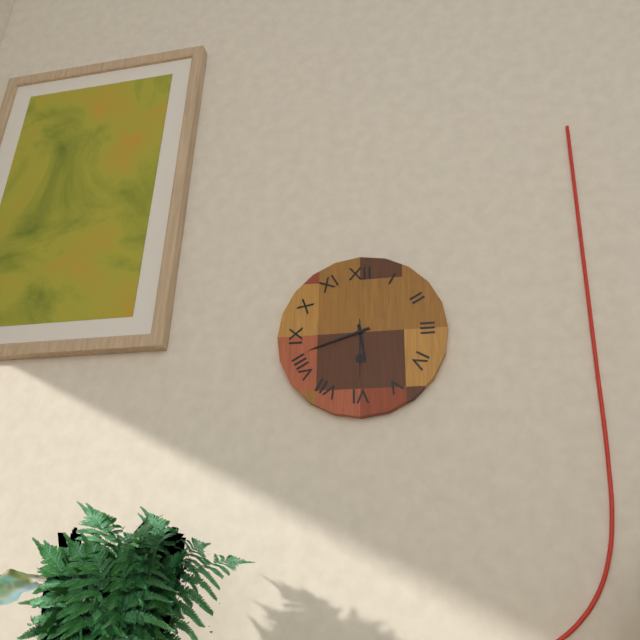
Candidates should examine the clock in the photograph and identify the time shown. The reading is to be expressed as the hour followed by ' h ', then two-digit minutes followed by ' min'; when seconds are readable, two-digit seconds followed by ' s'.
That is 5 h 42 min 30 s
